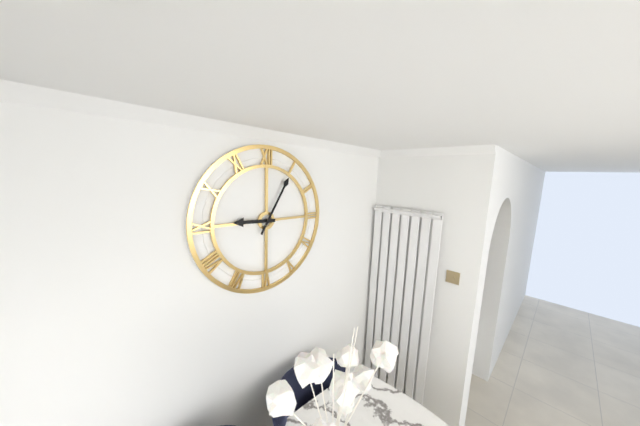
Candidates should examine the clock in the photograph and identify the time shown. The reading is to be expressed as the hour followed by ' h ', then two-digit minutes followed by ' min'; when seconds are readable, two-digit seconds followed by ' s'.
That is 9 h 05 min
